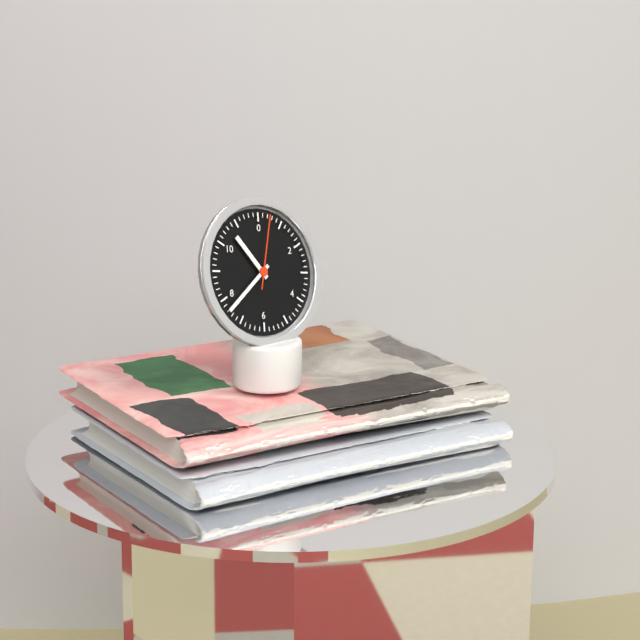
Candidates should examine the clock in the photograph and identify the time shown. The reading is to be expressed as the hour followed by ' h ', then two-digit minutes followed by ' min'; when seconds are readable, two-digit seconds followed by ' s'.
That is 10 h 38 min 02 s
